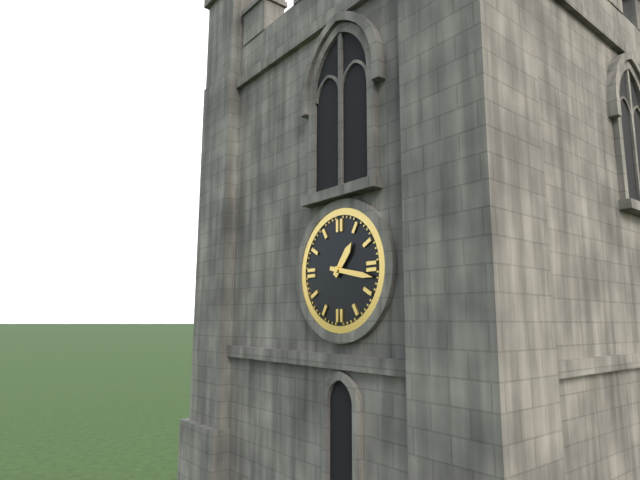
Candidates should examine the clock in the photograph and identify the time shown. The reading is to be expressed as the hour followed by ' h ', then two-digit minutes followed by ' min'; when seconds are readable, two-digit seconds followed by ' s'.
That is 1 h 17 min
